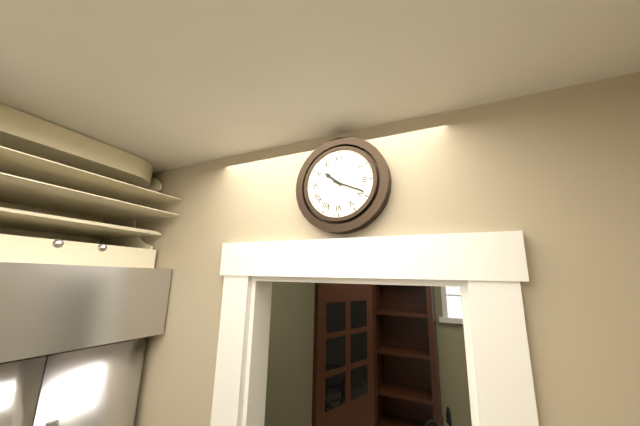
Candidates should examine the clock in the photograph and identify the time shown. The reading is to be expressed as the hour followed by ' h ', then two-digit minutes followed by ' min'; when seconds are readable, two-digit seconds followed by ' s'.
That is 10 h 19 min
